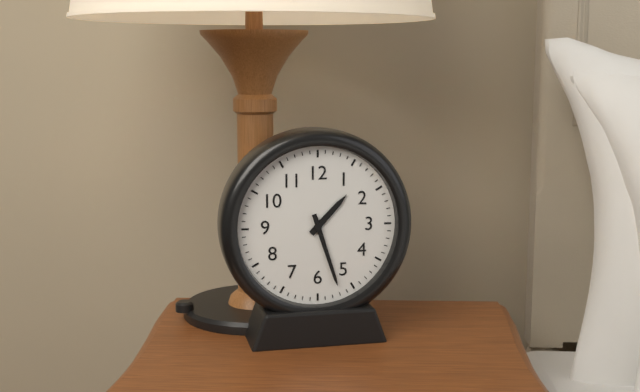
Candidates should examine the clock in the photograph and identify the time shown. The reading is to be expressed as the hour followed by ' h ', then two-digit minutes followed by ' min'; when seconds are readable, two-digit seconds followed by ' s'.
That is 1 h 27 min
